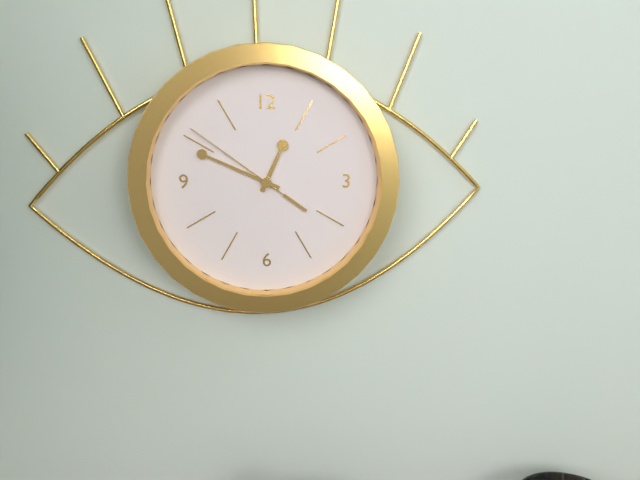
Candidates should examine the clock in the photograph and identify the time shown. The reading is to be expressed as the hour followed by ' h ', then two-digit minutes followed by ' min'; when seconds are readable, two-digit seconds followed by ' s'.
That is 12 h 49 min 51 s
